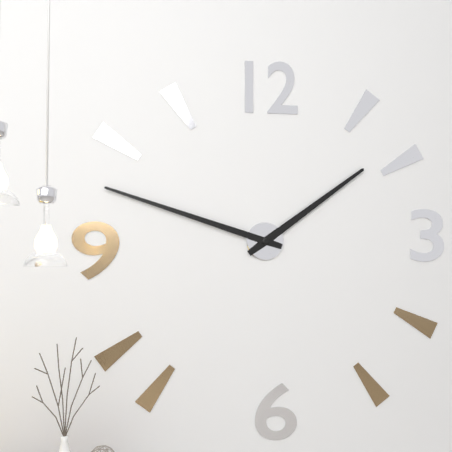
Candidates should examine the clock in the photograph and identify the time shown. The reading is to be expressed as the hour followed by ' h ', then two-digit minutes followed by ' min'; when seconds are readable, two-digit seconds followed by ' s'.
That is 1 h 48 min
